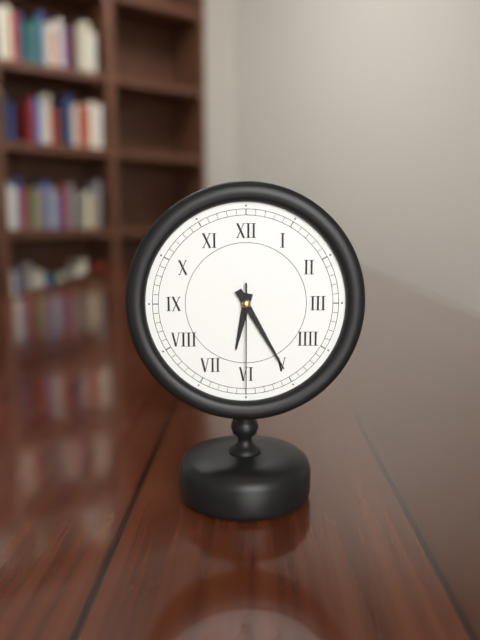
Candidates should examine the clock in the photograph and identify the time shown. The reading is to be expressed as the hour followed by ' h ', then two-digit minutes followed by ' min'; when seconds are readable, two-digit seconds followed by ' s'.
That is 6 h 25 min 30 s
